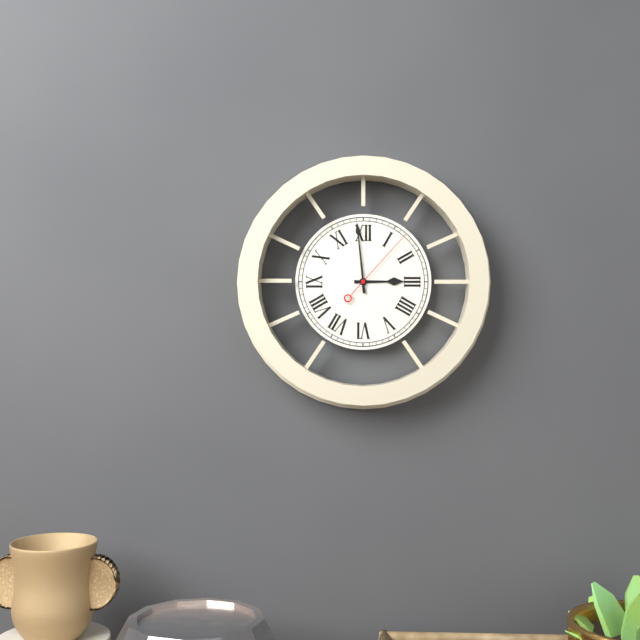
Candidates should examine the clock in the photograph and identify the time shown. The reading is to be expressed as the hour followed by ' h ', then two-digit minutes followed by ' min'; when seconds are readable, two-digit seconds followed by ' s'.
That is 2 h 59 min 07 s
